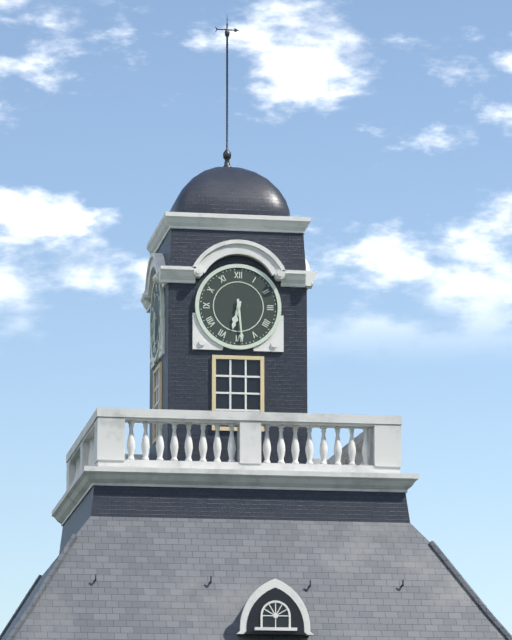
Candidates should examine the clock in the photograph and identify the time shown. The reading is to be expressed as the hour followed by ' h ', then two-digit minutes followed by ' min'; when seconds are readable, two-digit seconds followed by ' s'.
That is 6 h 29 min
